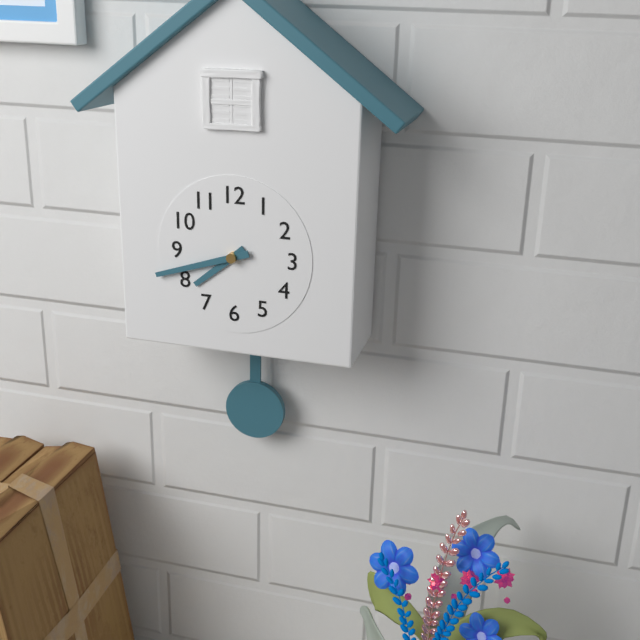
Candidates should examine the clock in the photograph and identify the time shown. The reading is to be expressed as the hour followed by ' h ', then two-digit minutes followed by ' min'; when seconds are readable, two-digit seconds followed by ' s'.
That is 7 h 42 min
